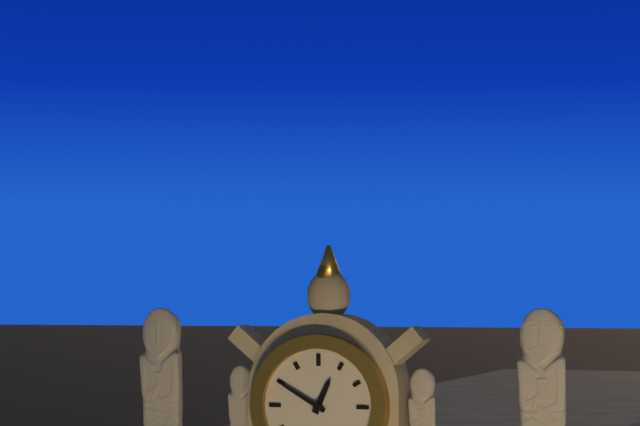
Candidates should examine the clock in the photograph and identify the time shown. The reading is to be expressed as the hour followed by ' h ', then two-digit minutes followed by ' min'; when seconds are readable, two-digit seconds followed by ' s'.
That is 12 h 50 min
